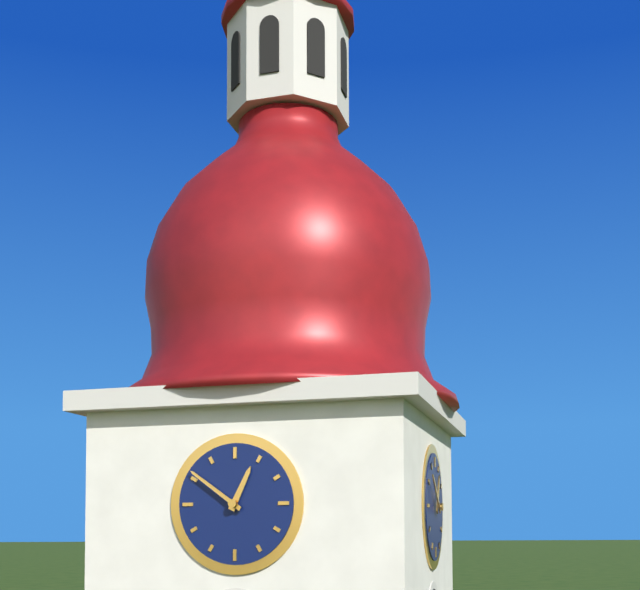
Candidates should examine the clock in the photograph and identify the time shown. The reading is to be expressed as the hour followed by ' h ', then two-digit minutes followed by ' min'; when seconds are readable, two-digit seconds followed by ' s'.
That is 12 h 51 min
